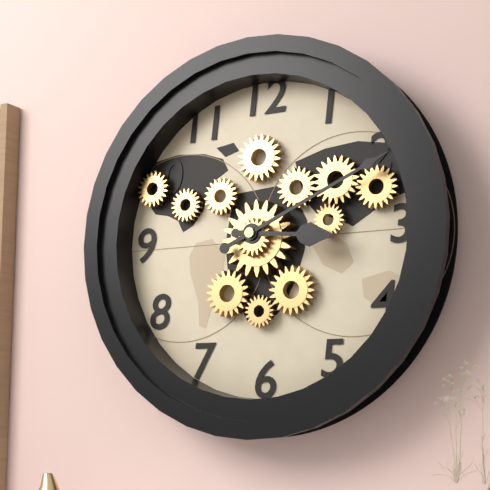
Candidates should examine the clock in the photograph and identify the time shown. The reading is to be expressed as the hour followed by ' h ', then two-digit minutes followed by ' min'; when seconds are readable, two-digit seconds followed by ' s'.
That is 3 h 11 min
